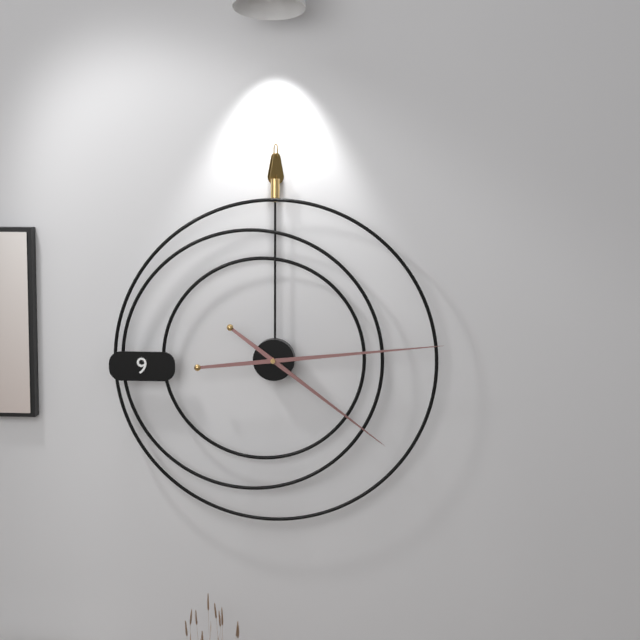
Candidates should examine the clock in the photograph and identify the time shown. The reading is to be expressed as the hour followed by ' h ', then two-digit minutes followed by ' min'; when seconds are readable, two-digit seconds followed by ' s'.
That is 4 h 14 min
